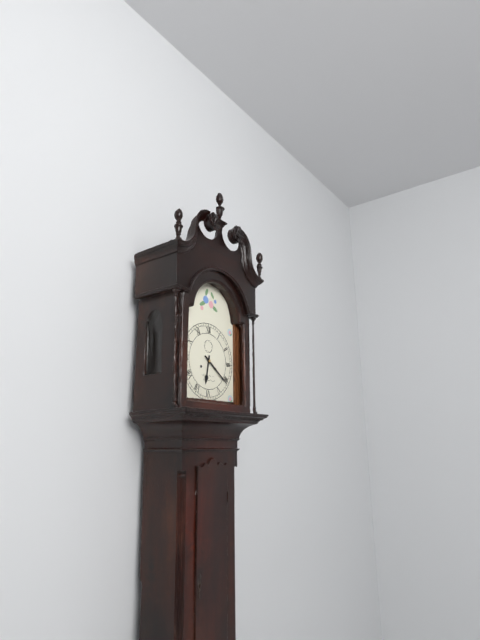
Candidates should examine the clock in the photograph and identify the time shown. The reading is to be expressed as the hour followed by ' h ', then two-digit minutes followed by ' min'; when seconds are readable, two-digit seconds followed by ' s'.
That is 6 h 21 min
